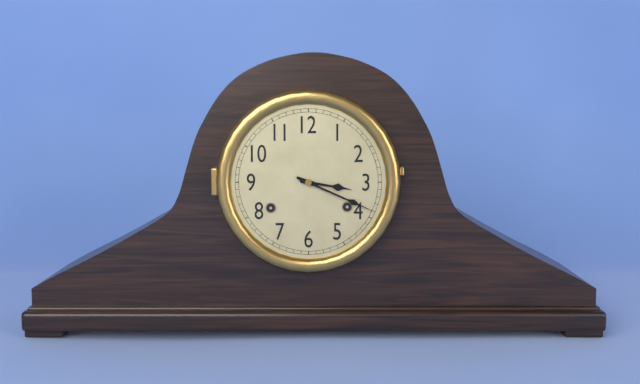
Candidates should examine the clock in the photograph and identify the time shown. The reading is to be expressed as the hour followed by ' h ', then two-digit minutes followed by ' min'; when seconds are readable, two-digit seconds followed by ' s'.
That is 3 h 19 min
